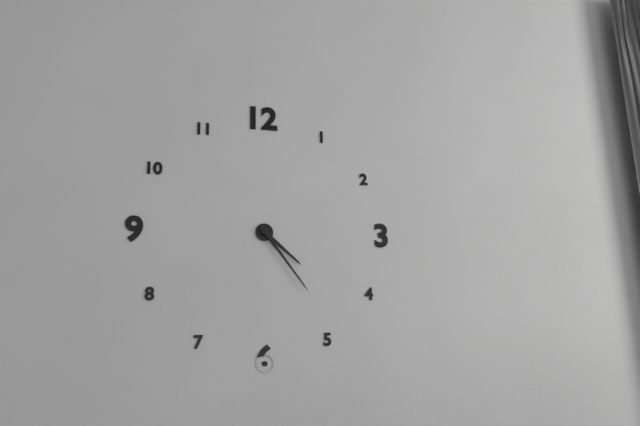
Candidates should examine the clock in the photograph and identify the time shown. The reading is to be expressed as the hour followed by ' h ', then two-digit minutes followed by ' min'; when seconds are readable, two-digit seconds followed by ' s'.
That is 4 h 24 min
